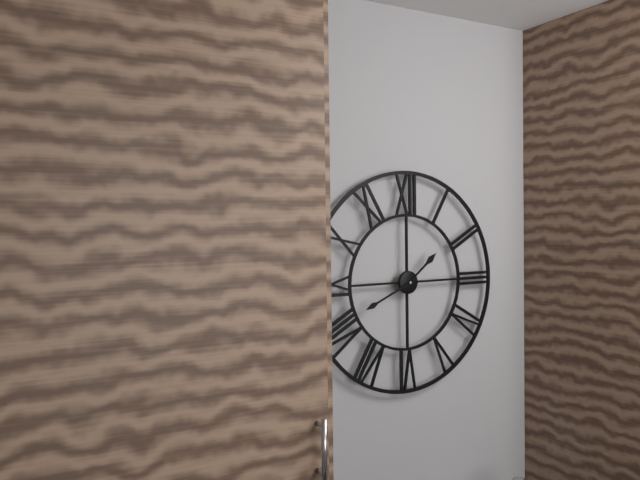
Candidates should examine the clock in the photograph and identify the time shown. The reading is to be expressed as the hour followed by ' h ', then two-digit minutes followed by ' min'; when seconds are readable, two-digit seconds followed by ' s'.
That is 1 h 41 min
